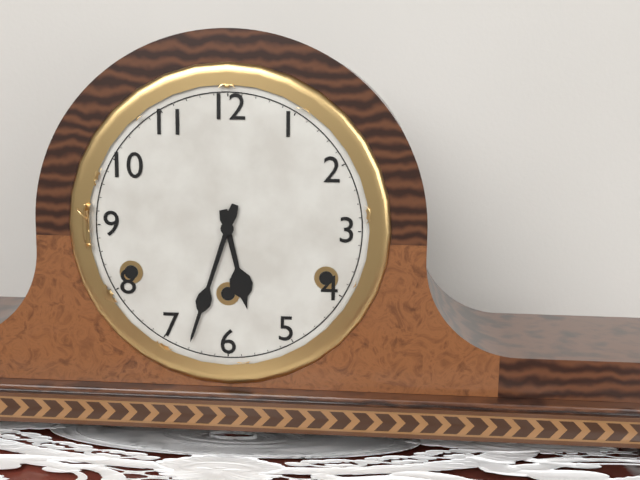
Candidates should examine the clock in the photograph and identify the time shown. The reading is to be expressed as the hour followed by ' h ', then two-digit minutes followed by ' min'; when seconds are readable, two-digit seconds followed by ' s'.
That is 5 h 33 min
